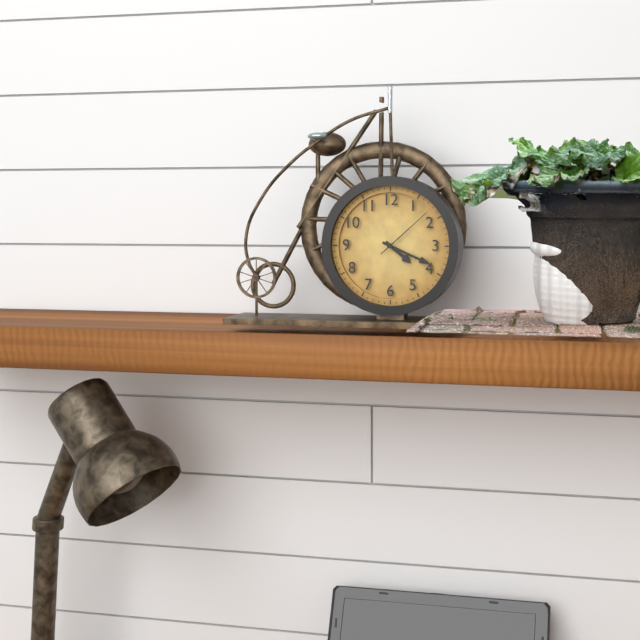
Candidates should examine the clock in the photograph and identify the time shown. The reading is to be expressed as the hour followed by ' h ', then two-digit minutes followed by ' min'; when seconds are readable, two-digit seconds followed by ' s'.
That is 4 h 19 min 08 s
